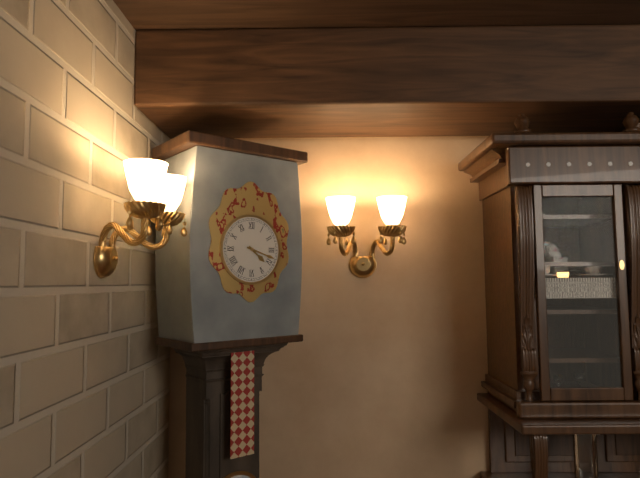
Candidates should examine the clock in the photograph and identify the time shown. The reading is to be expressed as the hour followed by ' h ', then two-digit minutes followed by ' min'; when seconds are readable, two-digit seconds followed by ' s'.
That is 4 h 18 min
